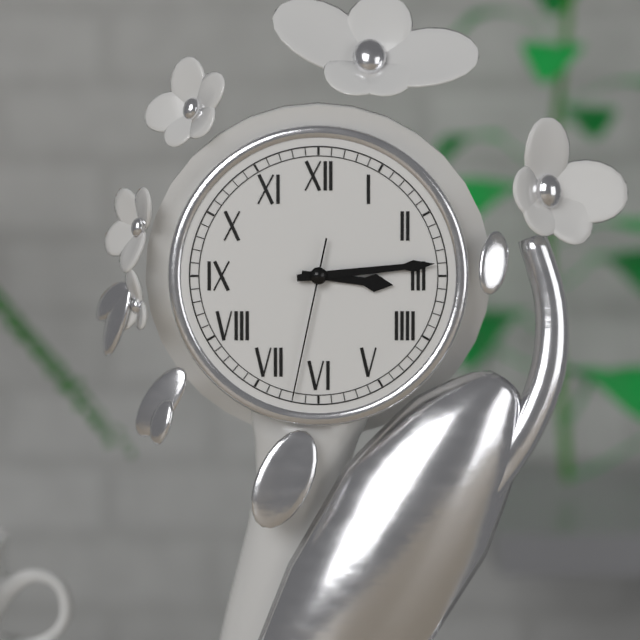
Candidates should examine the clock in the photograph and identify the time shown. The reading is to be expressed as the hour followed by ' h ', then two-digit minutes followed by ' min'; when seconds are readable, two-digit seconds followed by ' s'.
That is 3 h 14 min 32 s
